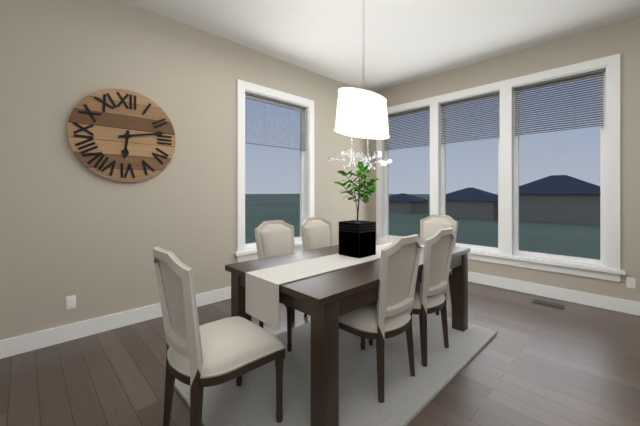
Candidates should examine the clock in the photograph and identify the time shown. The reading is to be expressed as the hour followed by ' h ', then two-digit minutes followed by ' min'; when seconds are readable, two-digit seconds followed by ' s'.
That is 6 h 13 min
